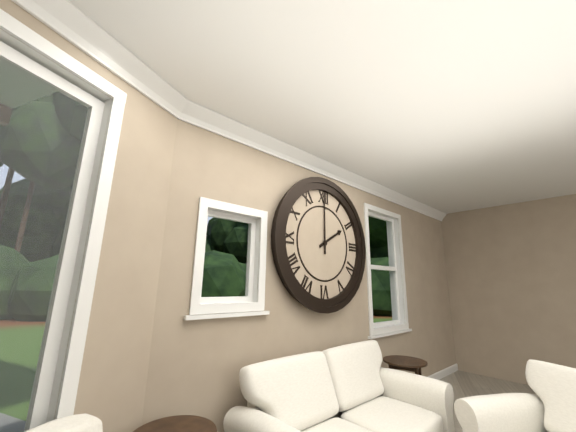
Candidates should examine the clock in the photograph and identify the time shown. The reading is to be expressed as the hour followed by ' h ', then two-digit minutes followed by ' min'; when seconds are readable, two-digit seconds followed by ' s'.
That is 2 h 00 min
